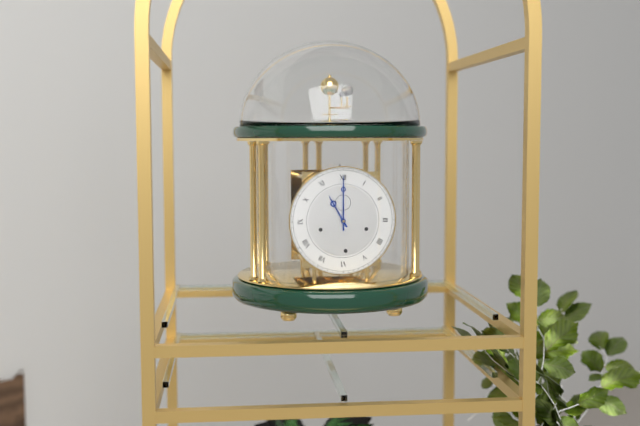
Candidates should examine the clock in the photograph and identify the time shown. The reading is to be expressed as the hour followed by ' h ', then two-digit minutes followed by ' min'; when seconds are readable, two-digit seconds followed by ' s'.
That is 11 h 00 min
